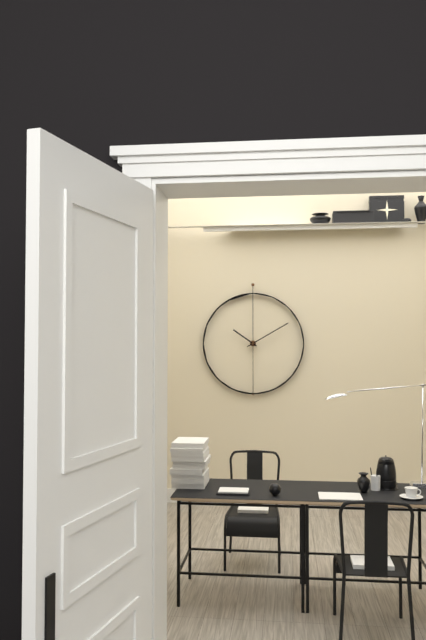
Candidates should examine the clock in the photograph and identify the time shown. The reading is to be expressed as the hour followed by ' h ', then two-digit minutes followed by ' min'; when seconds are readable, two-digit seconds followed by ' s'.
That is 10 h 10 min
